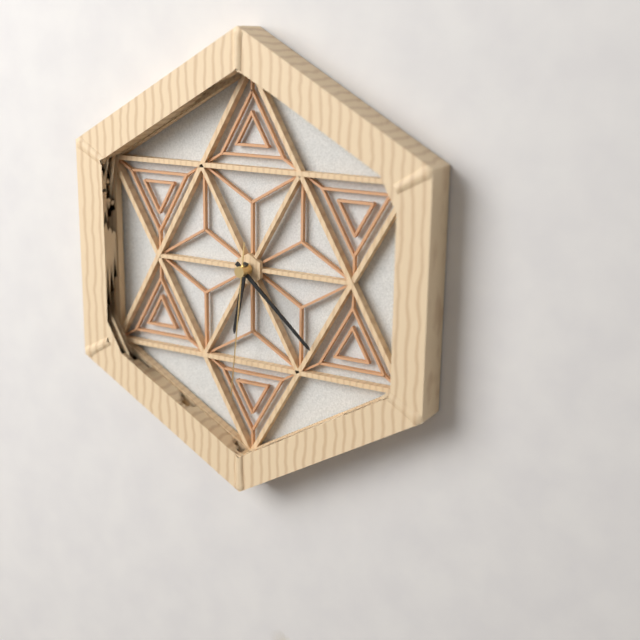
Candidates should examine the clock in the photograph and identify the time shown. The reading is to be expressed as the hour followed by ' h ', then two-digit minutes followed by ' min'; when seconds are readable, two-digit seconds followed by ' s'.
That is 6 h 22 min 31 s
